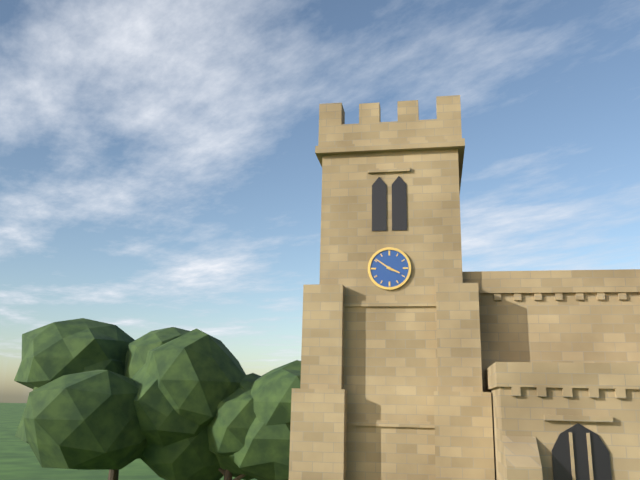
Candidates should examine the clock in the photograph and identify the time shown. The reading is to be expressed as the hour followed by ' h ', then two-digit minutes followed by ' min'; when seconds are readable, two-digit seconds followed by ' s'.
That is 3 h 51 min
